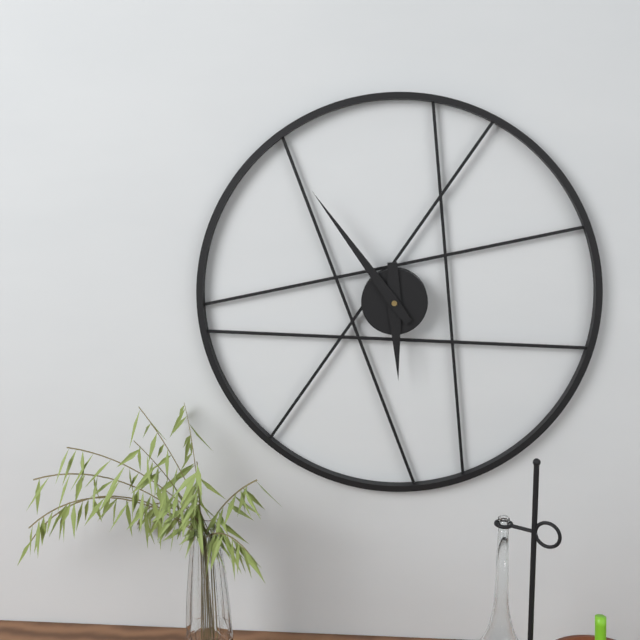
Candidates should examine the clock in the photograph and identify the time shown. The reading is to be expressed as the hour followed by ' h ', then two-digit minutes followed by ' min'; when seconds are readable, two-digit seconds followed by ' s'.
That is 5 h 54 min
